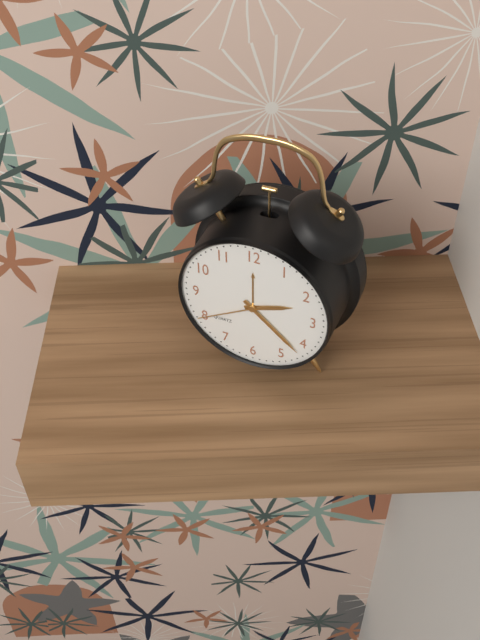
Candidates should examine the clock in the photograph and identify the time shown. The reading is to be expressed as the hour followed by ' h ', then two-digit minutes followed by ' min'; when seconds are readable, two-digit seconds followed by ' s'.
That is 2 h 22 min 40 s
